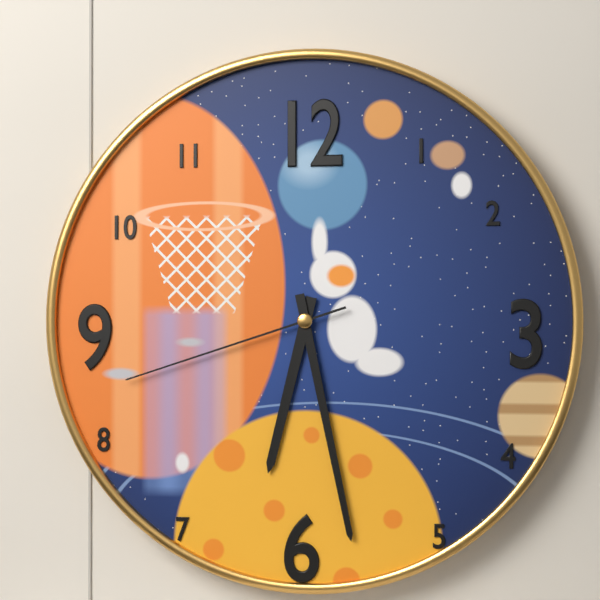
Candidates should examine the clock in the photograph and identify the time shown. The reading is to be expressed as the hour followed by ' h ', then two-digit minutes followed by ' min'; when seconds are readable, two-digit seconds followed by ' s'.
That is 6 h 28 min 42 s
